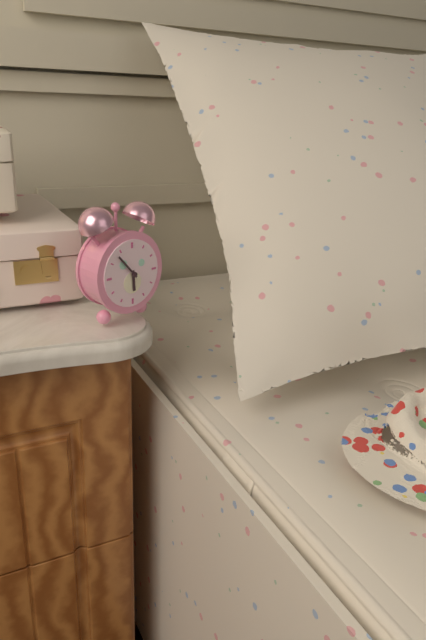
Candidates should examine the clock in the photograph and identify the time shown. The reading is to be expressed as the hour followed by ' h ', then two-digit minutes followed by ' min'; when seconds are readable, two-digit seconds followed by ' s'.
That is 5 h 53 min
